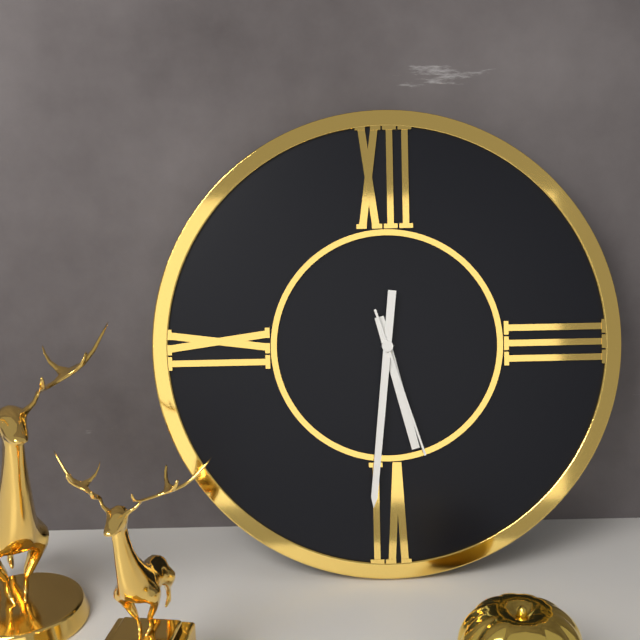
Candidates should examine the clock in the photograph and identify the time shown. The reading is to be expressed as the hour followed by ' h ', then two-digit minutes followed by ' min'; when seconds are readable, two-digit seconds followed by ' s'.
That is 5 h 31 min 27 s
